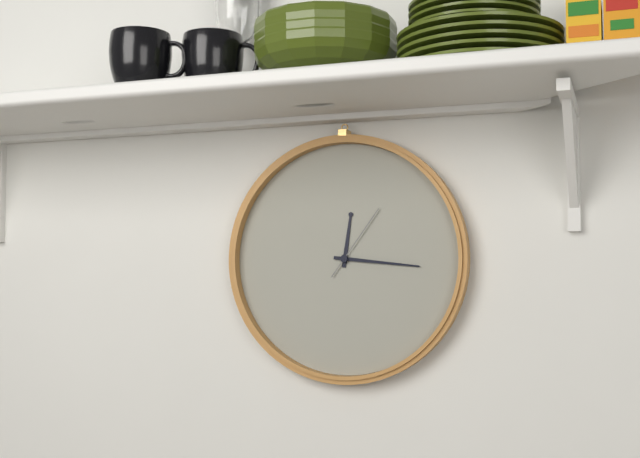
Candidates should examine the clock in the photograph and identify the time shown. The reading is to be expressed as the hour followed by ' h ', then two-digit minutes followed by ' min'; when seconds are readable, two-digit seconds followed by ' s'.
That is 12 h 16 min 06 s
